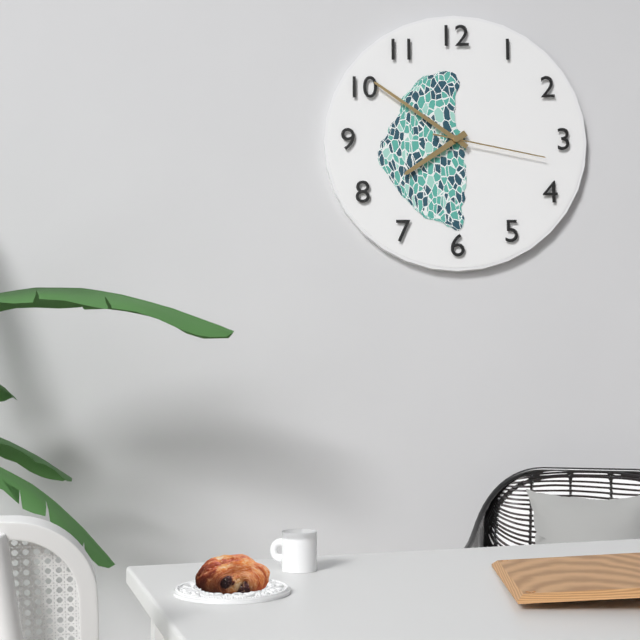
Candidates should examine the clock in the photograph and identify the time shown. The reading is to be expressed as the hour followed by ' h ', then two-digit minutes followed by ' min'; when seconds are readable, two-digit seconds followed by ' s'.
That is 7 h 51 min 17 s
